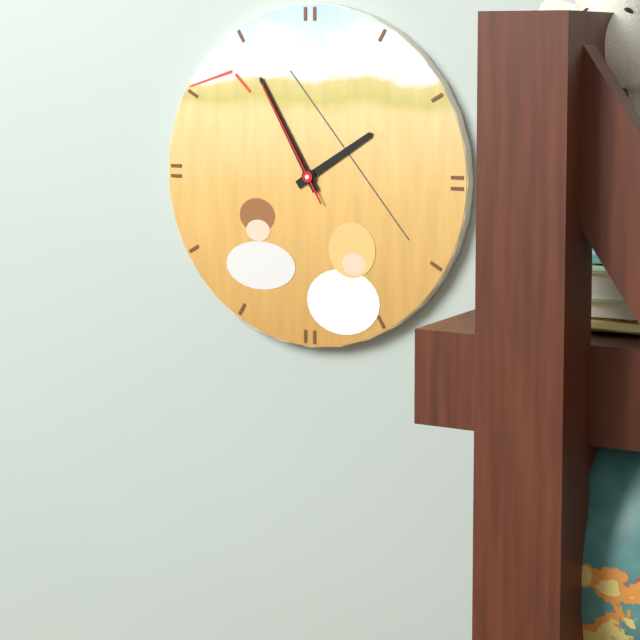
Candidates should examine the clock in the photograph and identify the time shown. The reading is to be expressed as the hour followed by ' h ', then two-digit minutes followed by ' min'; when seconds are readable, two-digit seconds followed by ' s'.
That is 1 h 55 min 55 s
